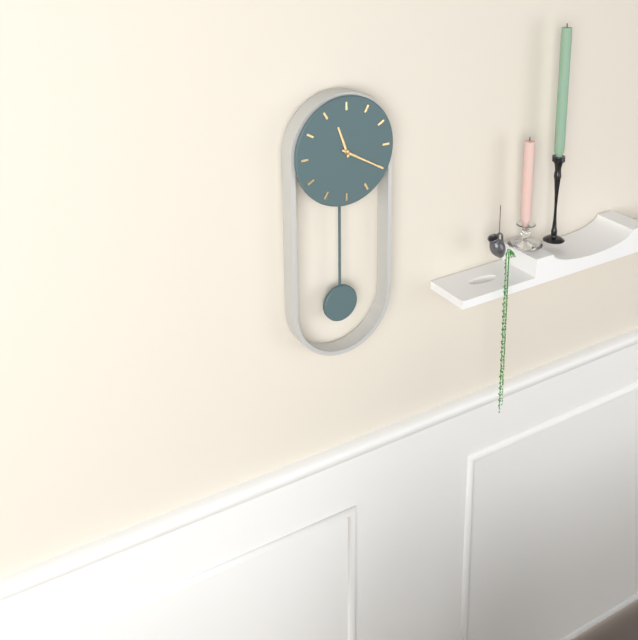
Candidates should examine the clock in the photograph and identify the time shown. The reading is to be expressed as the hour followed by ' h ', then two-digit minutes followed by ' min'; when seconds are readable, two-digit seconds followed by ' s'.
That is 11 h 20 min
